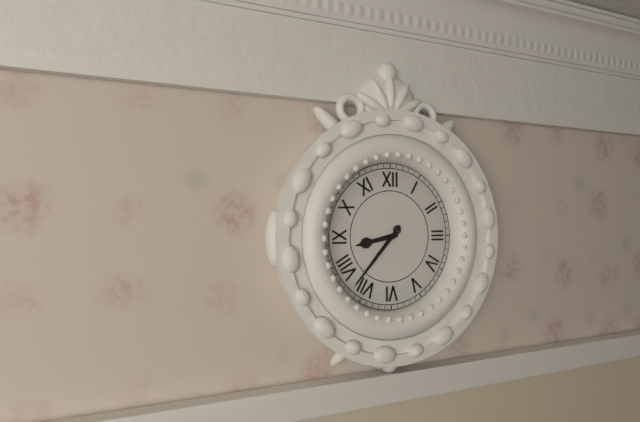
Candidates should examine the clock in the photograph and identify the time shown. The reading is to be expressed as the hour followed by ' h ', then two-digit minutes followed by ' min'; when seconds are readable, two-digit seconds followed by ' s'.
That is 8 h 37 min
